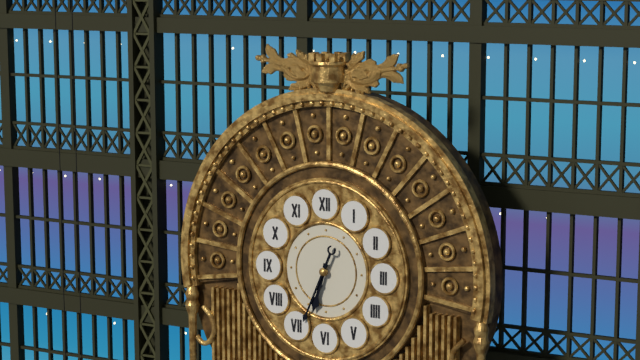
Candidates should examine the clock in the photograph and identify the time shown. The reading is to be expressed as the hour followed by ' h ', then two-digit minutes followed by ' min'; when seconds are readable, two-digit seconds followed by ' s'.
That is 6 h 34 min
